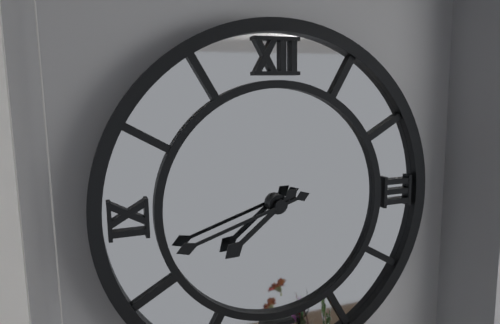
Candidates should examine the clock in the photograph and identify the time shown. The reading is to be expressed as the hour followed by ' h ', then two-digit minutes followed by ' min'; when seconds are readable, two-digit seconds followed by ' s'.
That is 7 h 42 min
